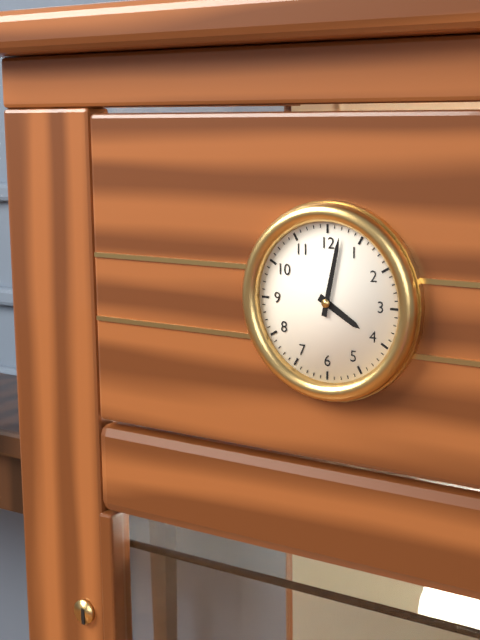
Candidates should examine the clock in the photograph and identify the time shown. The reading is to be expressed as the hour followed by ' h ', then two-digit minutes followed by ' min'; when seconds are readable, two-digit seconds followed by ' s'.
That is 4 h 02 min
